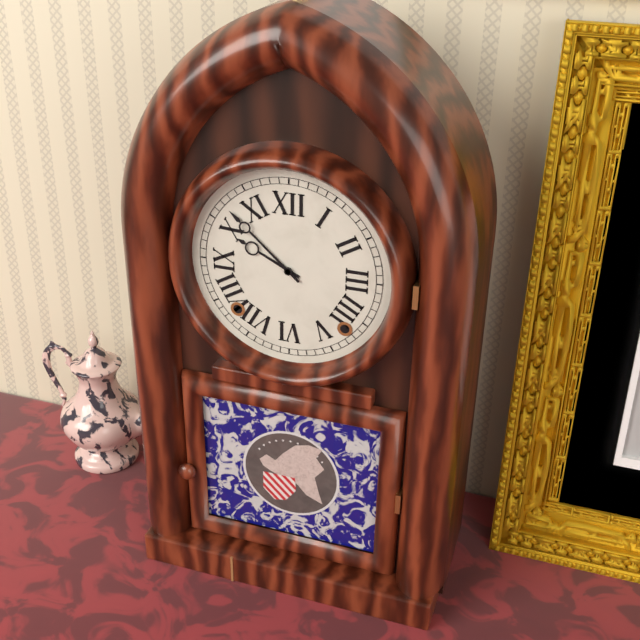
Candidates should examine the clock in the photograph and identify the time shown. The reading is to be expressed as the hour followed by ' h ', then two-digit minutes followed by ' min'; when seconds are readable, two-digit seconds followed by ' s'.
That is 9 h 52 min
